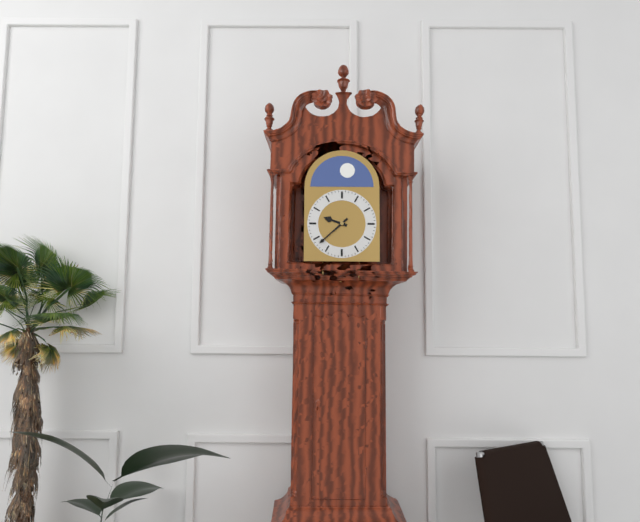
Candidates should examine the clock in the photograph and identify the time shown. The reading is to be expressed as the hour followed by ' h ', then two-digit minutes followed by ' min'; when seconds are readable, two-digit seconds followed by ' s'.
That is 9 h 38 min
